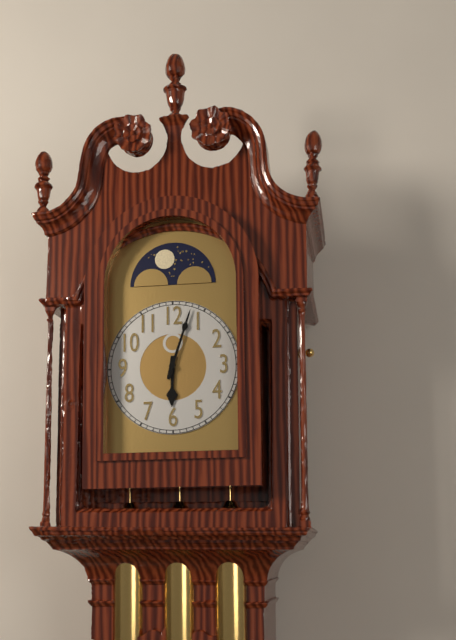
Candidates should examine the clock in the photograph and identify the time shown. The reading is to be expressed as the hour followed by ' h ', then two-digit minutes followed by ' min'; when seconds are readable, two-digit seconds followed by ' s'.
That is 6 h 03 min
